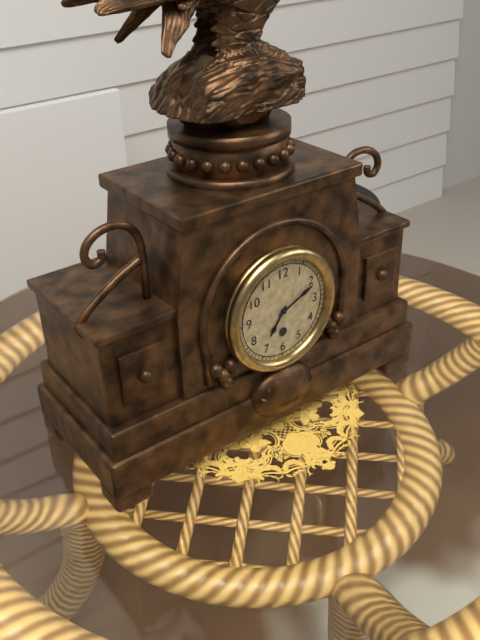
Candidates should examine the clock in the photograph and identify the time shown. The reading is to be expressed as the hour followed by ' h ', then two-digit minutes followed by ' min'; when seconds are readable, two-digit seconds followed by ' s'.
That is 7 h 11 min
